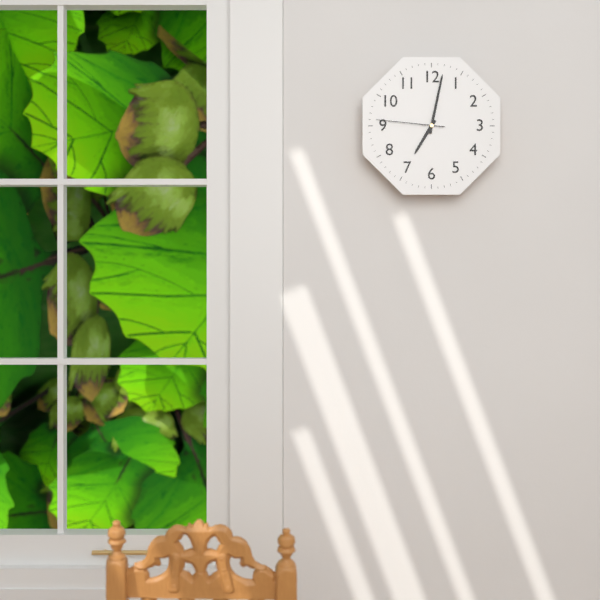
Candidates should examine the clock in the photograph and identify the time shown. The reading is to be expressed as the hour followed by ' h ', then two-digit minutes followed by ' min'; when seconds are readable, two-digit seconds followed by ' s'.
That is 7 h 02 min 46 s
